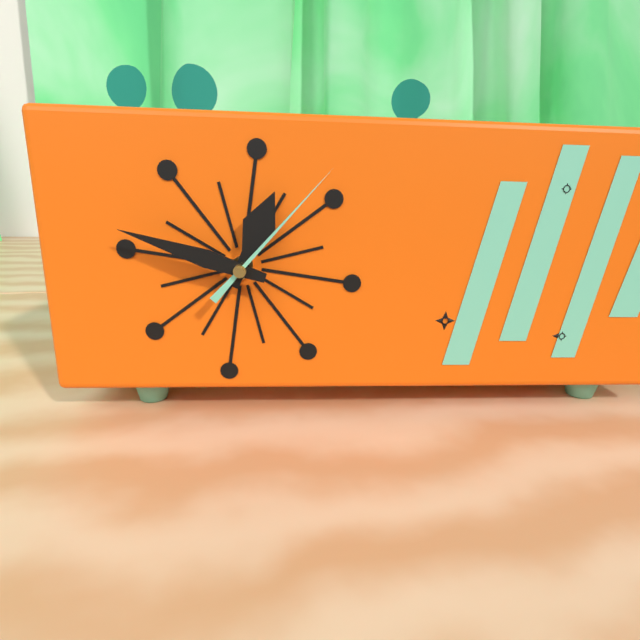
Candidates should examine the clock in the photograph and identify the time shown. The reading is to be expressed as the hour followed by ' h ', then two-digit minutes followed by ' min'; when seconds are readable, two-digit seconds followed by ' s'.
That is 12 h 48 min 07 s
